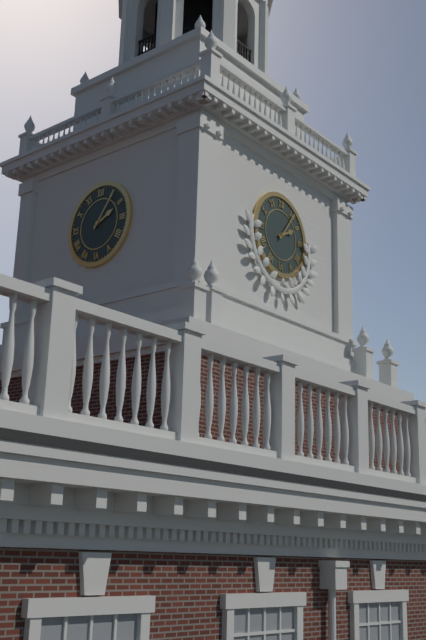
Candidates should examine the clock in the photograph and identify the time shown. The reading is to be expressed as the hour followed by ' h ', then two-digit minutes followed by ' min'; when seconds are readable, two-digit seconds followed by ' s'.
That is 2 h 06 min
